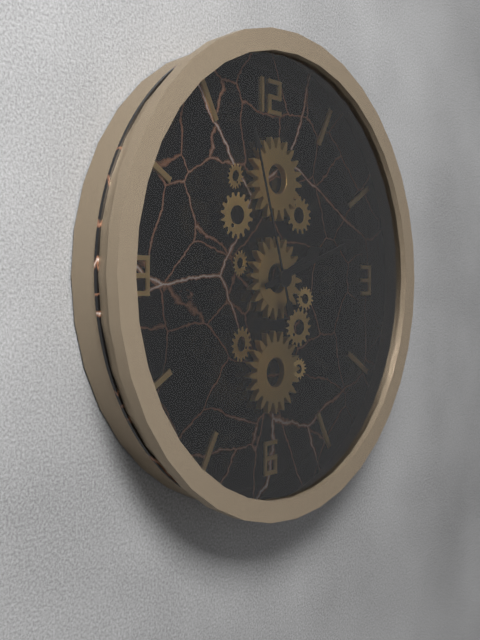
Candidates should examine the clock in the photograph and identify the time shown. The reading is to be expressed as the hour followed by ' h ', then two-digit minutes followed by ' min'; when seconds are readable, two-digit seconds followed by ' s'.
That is 2 h 12 min 57 s
